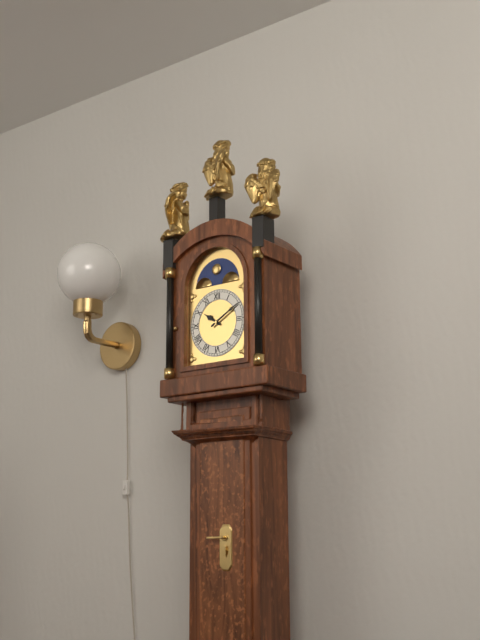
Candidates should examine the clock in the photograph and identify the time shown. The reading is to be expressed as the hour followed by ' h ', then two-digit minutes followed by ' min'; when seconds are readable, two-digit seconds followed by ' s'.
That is 10 h 10 min
